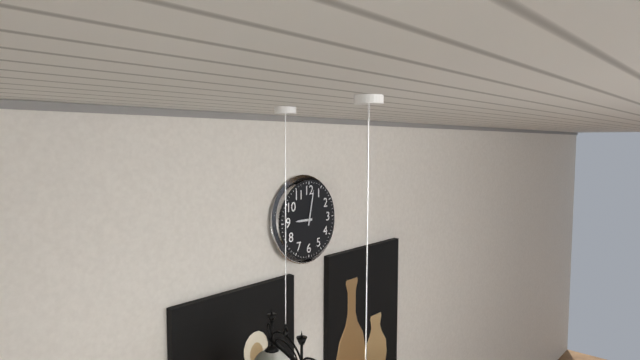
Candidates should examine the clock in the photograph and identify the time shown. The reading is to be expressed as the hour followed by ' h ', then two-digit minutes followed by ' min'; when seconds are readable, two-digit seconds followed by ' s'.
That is 9 h 02 min
